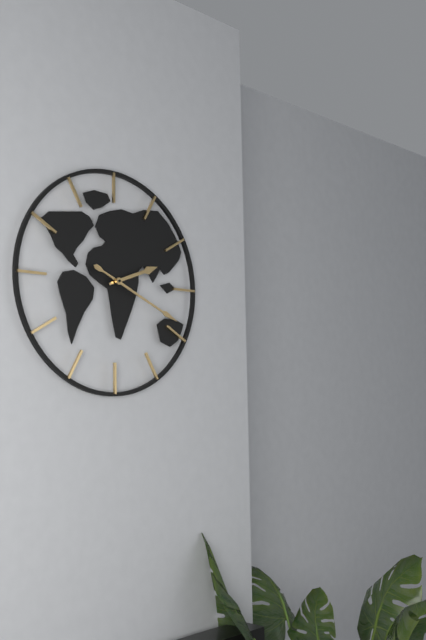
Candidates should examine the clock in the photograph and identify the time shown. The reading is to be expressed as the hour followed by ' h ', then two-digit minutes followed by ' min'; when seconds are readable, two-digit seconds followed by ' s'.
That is 2 h 19 min
